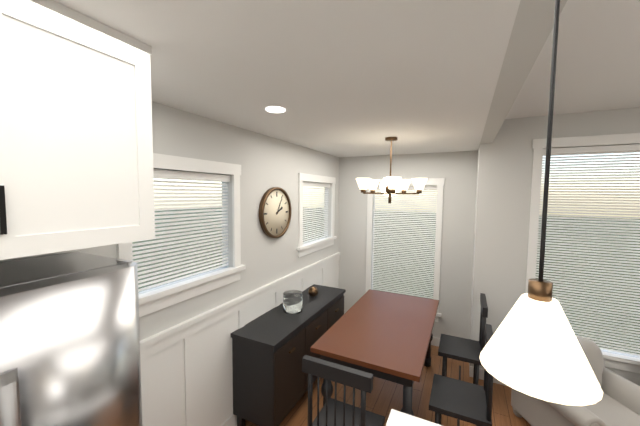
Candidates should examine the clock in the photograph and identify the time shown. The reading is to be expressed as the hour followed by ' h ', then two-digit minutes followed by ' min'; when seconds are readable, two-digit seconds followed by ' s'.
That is 2 h 05 min
